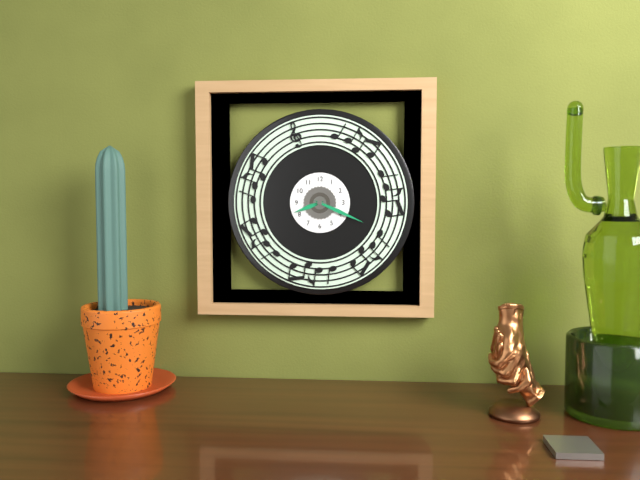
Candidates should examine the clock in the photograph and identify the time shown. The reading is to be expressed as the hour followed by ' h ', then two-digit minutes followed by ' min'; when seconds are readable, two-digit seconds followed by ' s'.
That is 8 h 19 min
